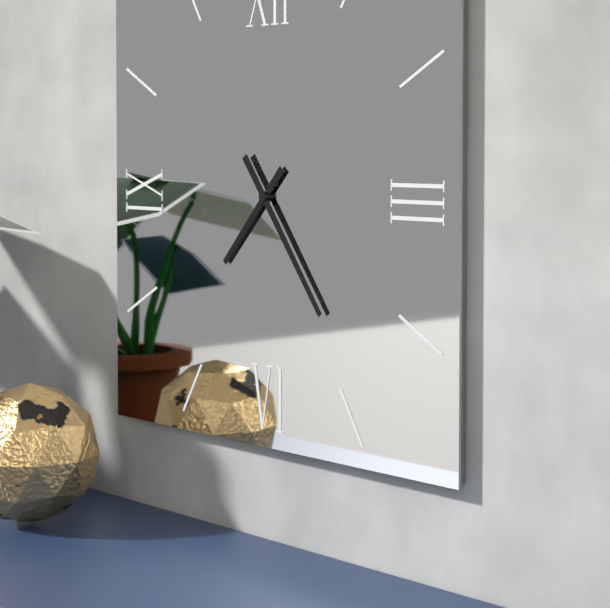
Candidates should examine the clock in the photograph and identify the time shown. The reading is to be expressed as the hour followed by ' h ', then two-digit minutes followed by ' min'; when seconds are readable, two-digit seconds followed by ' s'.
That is 7 h 24 min
